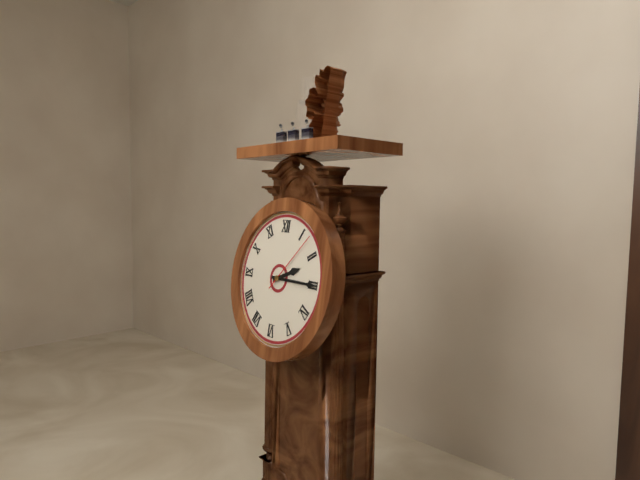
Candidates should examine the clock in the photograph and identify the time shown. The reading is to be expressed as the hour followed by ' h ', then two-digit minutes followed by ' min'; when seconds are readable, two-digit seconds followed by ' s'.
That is 2 h 15 min 07 s
